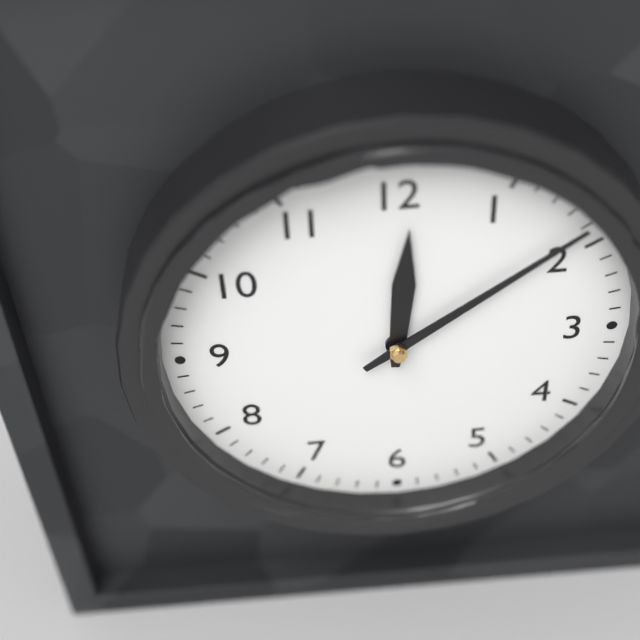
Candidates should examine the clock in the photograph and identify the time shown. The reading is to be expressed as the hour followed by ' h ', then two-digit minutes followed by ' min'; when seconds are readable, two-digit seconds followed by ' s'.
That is 12 h 09 min
